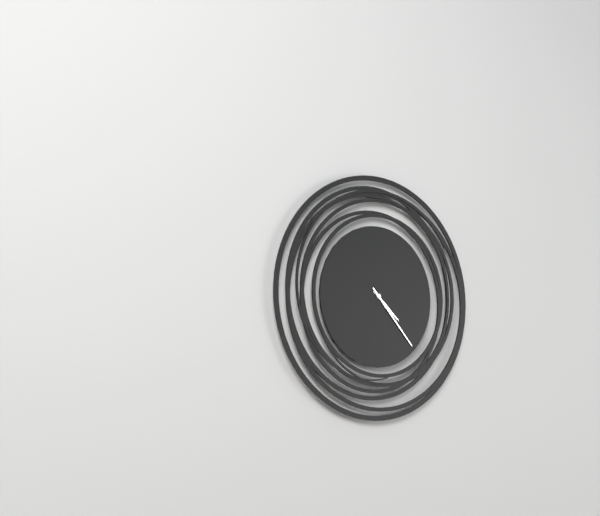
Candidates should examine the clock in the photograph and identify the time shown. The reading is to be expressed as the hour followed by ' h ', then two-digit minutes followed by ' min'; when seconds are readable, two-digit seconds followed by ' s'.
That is 4 h 23 min
